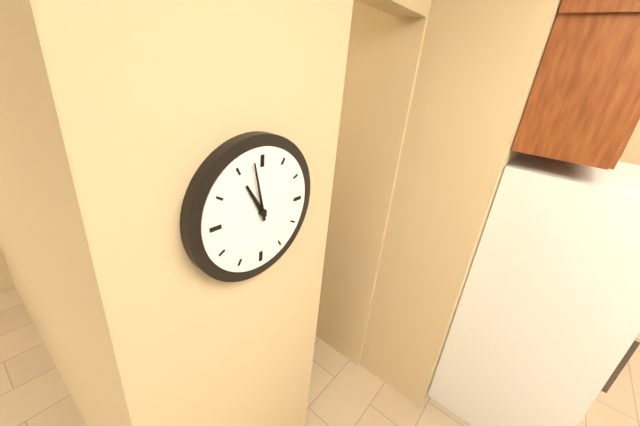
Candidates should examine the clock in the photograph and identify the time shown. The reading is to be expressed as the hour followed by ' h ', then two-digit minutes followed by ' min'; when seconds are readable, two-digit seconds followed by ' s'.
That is 10 h 58 min
